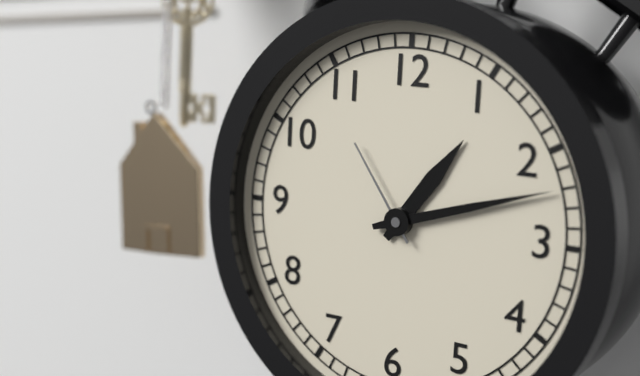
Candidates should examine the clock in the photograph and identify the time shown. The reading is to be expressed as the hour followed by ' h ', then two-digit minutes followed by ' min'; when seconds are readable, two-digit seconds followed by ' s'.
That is 1 h 12 min 54 s
